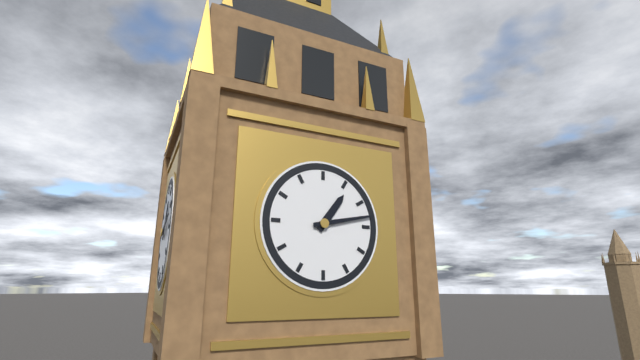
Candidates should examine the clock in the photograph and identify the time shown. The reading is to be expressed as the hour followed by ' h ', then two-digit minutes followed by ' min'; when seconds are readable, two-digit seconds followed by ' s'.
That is 1 h 13 min
